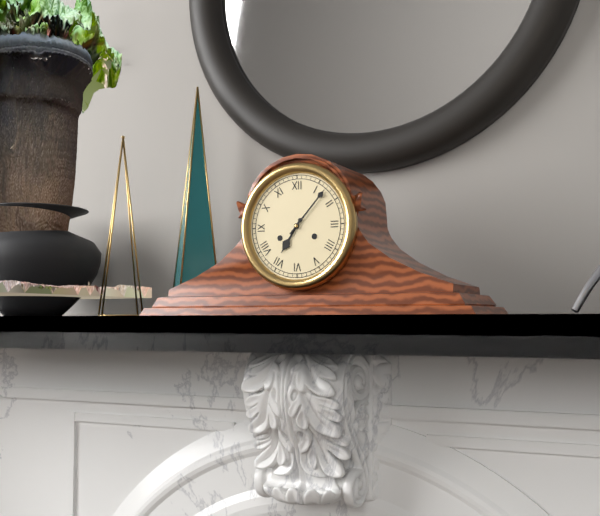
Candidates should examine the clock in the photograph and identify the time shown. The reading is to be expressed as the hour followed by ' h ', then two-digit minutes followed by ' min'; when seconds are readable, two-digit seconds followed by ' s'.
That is 7 h 07 min
